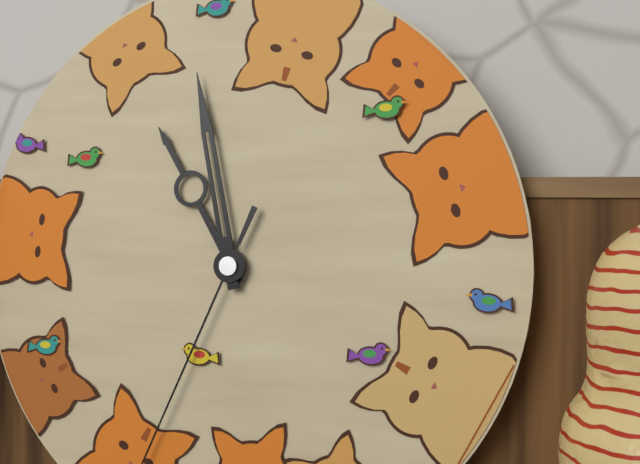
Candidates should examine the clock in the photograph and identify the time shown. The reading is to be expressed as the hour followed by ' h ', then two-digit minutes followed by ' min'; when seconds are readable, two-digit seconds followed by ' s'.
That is 10 h 58 min
